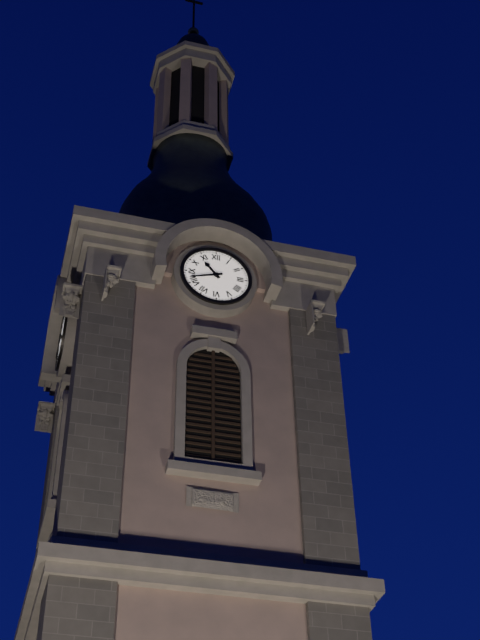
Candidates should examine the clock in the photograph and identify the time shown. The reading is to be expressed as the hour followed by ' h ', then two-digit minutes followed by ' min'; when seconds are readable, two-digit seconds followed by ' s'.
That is 10 h 42 min
